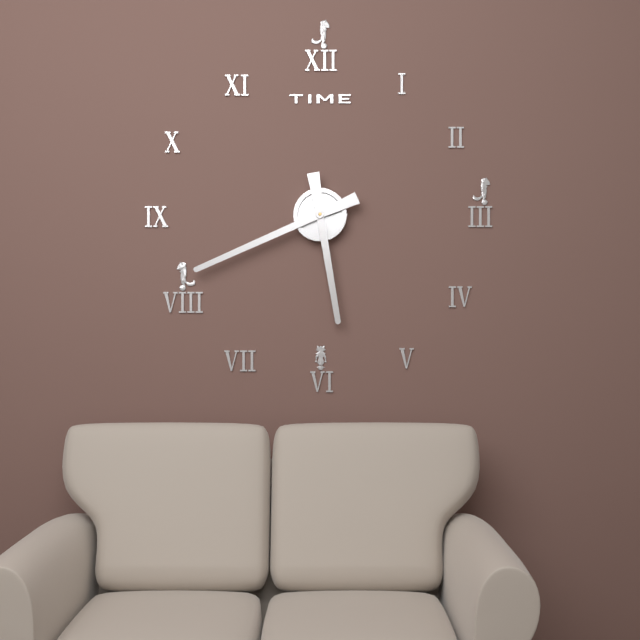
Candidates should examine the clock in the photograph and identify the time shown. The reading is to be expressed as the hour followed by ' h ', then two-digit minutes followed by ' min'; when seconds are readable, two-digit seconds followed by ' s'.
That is 5 h 41 min
